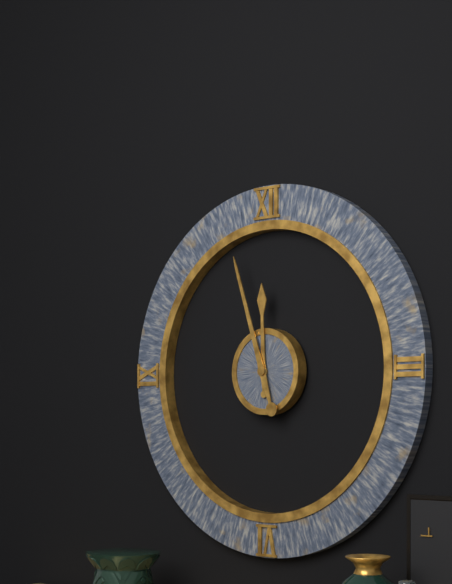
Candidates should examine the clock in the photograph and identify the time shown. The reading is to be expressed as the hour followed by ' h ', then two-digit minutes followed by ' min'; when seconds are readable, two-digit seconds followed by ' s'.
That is 11 h 57 min
